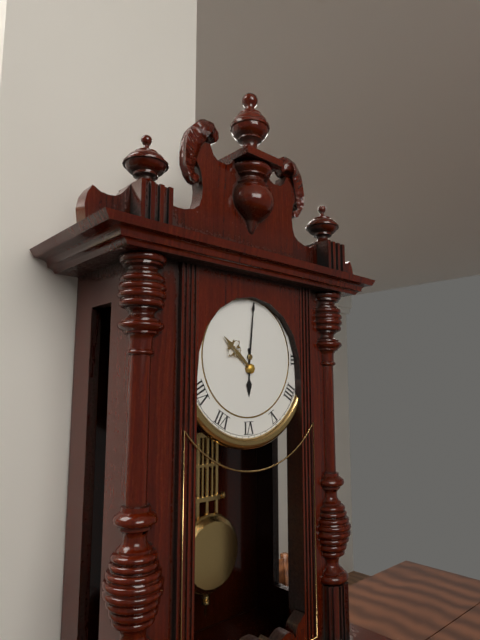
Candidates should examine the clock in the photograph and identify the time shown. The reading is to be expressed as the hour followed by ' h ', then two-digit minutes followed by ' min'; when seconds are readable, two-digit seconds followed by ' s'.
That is 6 h 01 min
